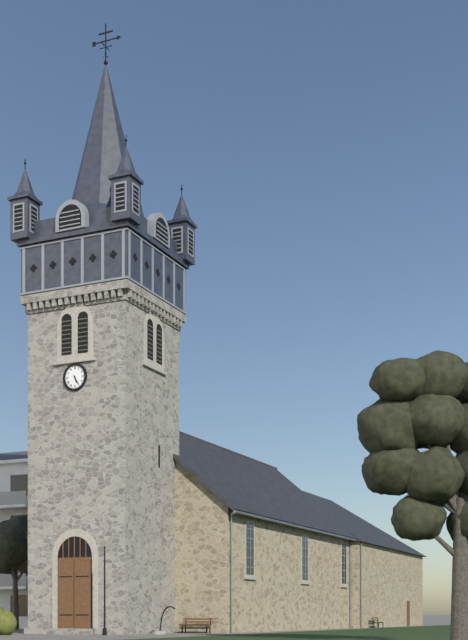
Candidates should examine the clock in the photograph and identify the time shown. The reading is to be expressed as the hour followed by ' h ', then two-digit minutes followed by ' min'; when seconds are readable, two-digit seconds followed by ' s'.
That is 5 h 25 min
